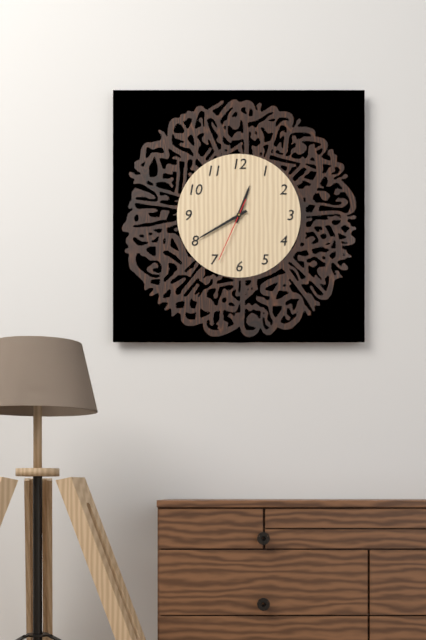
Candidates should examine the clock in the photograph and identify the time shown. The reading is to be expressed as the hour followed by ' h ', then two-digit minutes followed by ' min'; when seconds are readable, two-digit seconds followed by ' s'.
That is 12 h 40 min 34 s
